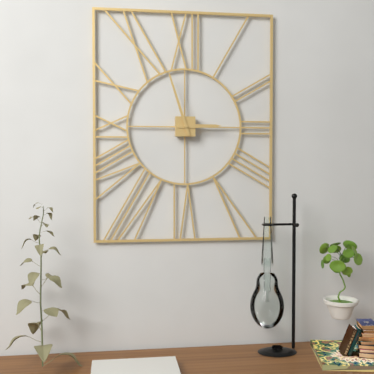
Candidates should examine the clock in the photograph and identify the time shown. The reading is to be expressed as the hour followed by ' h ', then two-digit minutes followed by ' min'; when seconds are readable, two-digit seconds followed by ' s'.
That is 2 h 57 min
